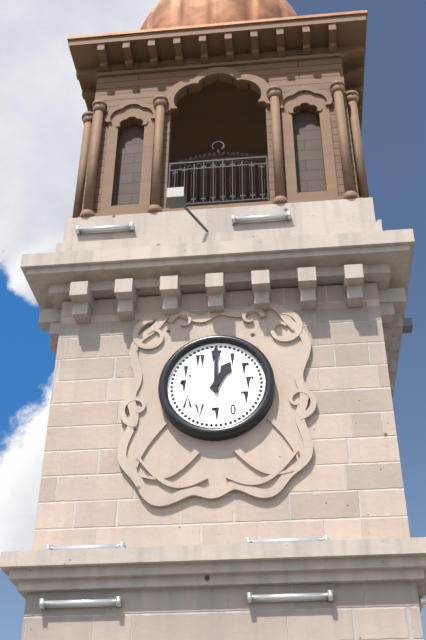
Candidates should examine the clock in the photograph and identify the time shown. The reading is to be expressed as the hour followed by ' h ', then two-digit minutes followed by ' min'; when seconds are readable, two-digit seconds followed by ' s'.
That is 1 h 00 min
